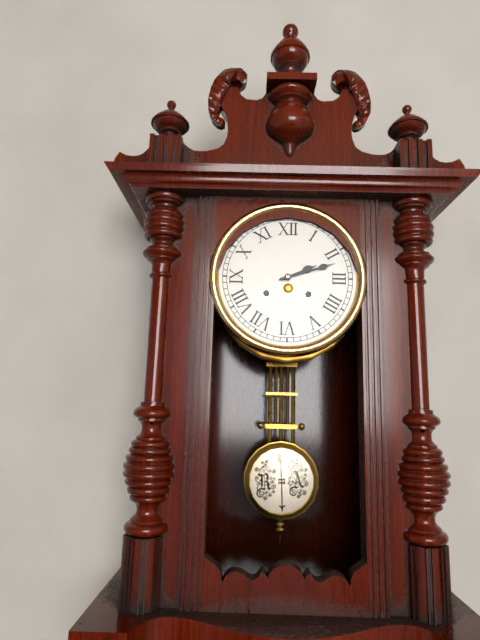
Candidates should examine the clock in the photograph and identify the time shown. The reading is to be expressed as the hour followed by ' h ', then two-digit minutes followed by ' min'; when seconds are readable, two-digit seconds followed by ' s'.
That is 2 h 12 min
